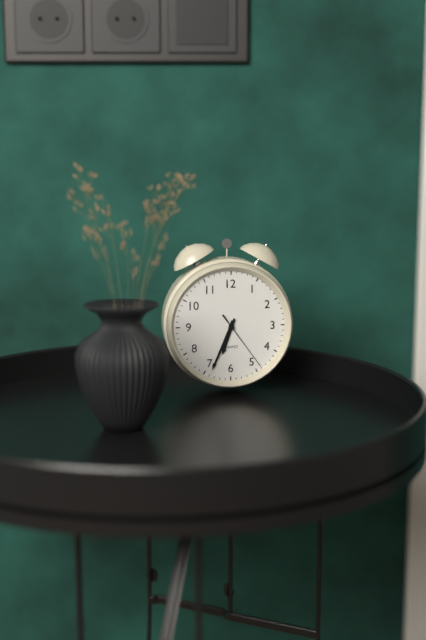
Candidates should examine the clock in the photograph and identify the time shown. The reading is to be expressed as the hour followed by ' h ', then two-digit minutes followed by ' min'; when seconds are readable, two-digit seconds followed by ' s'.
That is 6 h 34 min 24 s
